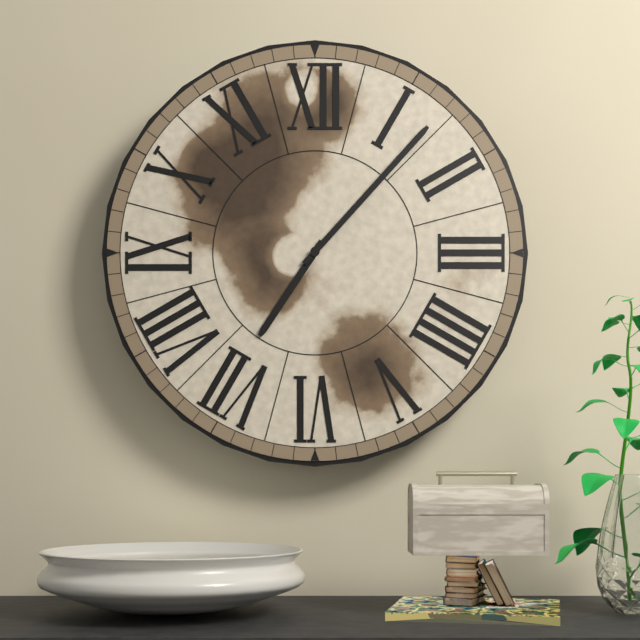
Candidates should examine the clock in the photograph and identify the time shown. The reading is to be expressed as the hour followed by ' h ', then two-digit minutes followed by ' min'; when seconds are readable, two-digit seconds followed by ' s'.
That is 7 h 07 min
